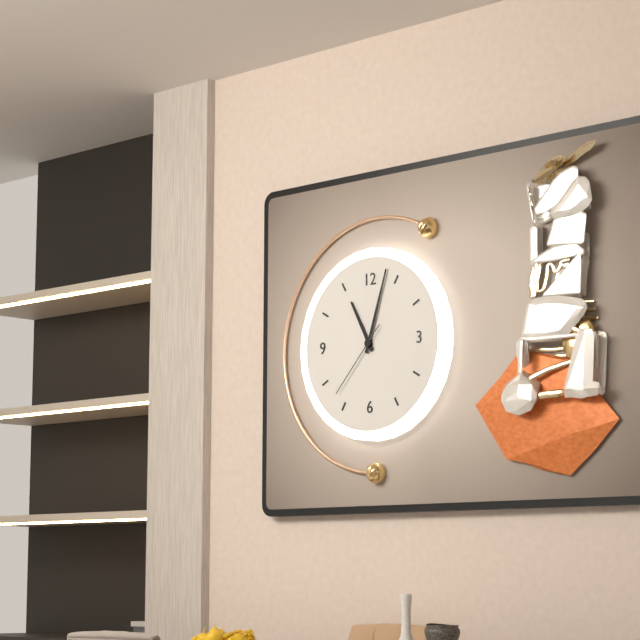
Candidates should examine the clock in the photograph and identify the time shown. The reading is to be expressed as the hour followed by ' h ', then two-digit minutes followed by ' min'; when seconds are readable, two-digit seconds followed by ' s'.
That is 11 h 03 min 37 s
